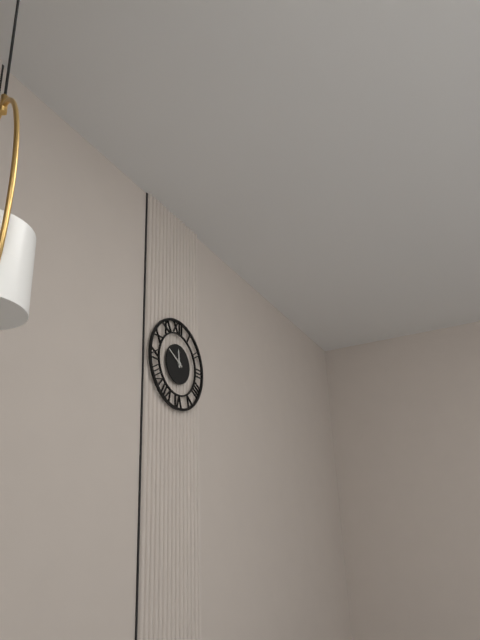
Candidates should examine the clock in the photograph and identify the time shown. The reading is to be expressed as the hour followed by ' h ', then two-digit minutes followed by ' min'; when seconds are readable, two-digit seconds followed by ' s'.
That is 11 h 50 min
